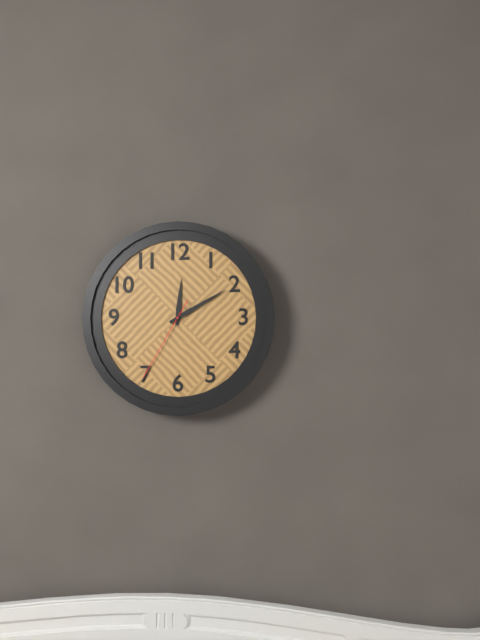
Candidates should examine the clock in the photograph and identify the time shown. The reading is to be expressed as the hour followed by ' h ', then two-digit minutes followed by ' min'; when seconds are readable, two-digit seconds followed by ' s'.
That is 12 h 10 min 35 s
